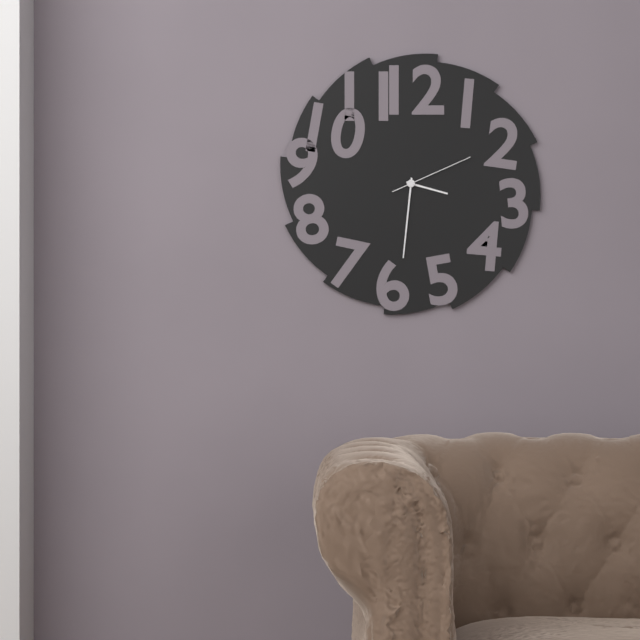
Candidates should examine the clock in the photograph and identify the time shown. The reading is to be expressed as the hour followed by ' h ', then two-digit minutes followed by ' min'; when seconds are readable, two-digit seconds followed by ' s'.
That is 3 h 31 min 11 s
